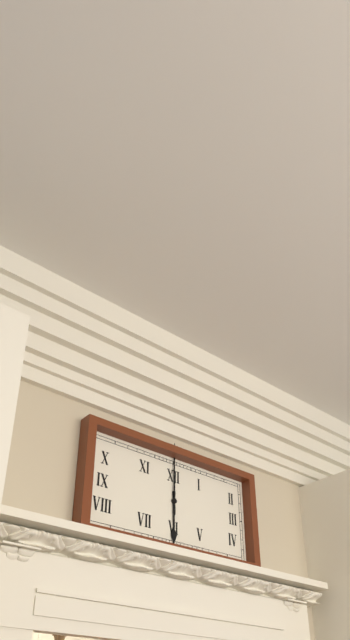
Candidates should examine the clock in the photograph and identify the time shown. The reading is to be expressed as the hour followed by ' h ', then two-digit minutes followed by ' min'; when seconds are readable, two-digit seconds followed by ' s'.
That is 6 h 00 min
